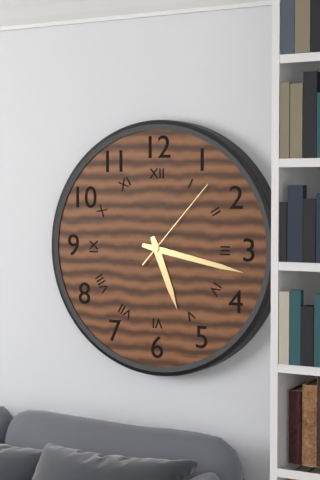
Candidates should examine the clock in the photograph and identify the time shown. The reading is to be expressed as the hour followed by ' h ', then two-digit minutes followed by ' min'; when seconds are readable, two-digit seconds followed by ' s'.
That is 5 h 17 min 07 s
